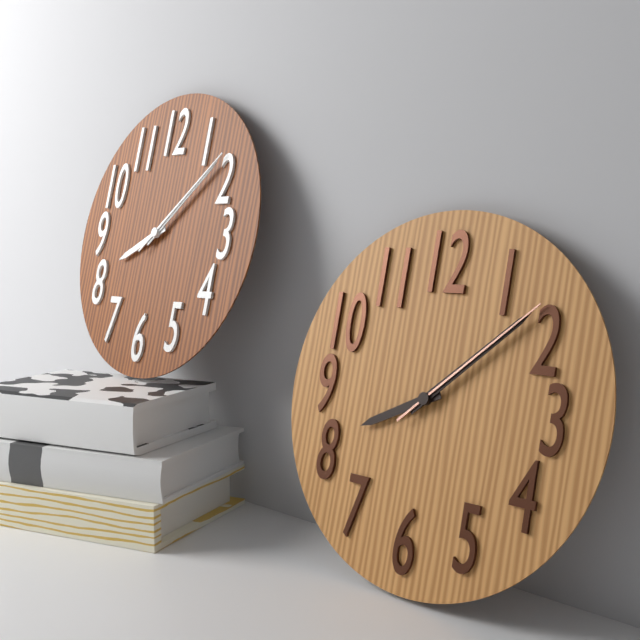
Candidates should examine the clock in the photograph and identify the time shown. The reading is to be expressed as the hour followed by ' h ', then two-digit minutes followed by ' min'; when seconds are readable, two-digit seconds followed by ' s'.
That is 8 h 08 min 08 s
